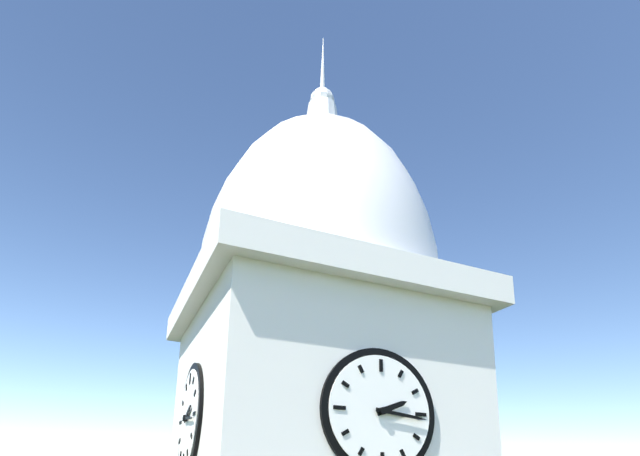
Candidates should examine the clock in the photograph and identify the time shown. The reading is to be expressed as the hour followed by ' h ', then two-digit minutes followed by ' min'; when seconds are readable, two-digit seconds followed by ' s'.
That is 2 h 16 min
